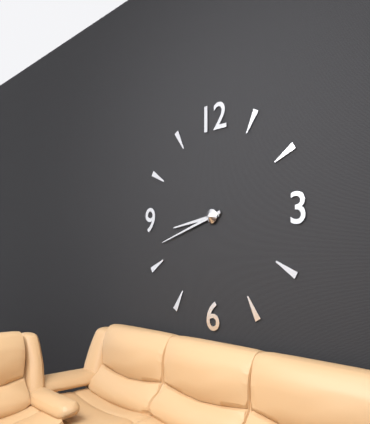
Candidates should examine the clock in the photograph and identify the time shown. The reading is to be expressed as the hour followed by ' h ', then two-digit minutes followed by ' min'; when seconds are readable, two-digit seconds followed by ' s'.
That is 8 h 42 min
